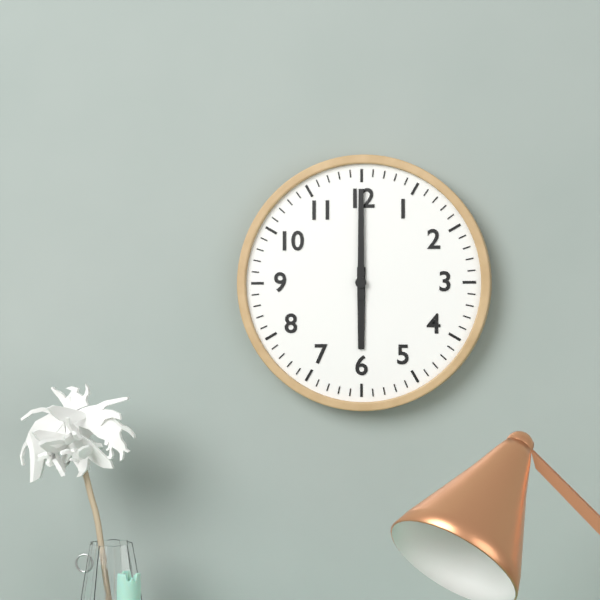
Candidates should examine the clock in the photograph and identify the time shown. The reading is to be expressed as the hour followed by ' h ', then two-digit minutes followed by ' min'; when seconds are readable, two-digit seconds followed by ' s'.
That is 6 h 00 min
